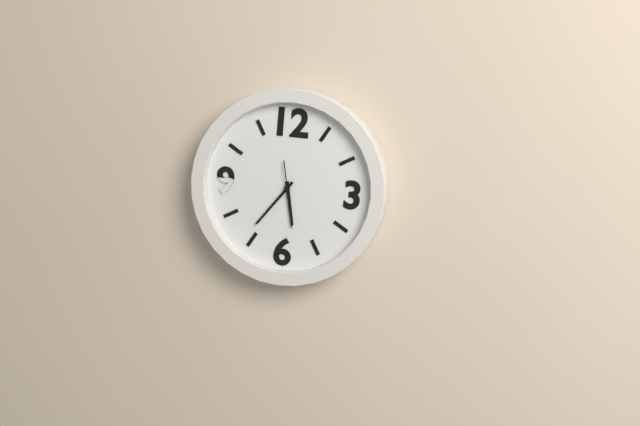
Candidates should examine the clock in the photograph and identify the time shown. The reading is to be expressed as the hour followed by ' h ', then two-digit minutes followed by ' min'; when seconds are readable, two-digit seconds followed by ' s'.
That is 5 h 36 min 28 s
